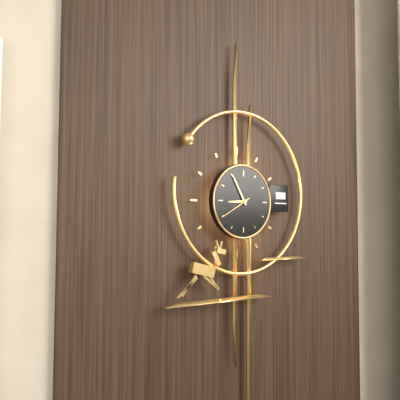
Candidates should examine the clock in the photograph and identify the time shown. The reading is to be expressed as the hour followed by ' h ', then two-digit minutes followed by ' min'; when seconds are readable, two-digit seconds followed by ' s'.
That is 8 h 55 min
